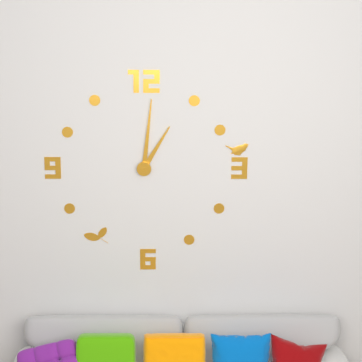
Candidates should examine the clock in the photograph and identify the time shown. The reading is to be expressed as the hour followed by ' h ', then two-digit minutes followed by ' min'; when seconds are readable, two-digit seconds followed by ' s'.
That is 1 h 01 min
